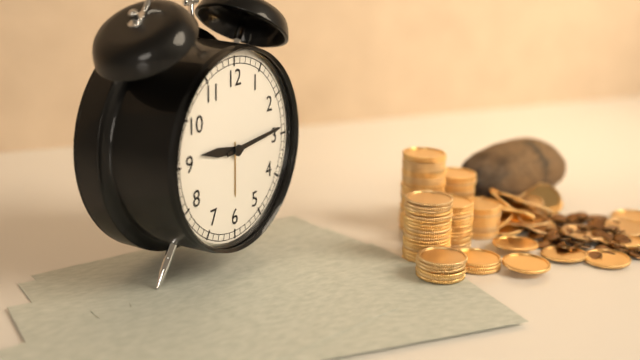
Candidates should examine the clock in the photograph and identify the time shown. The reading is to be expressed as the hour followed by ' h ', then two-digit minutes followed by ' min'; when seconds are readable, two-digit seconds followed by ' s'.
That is 9 h 14 min
